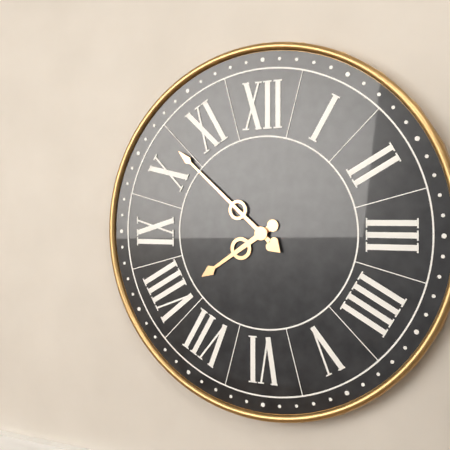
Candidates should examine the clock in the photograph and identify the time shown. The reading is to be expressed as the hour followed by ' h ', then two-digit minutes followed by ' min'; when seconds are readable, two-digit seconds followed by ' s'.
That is 7 h 52 min
